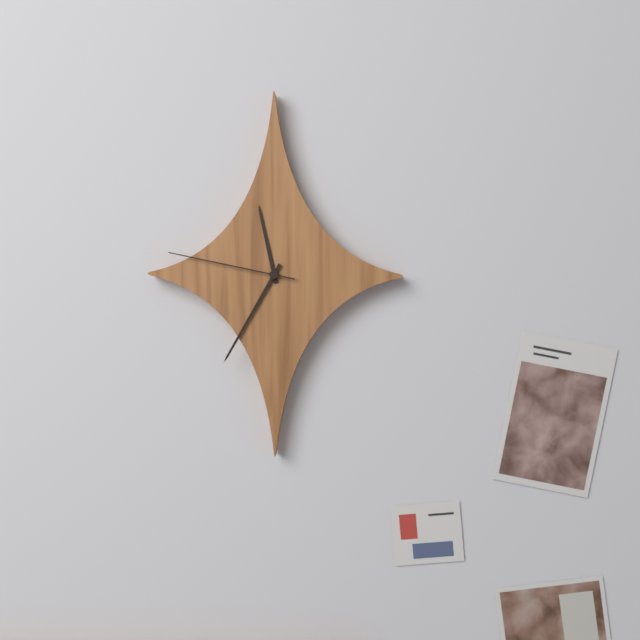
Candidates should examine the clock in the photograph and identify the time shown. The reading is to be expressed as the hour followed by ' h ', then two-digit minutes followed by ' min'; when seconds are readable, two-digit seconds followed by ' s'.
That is 11 h 35 min 47 s
